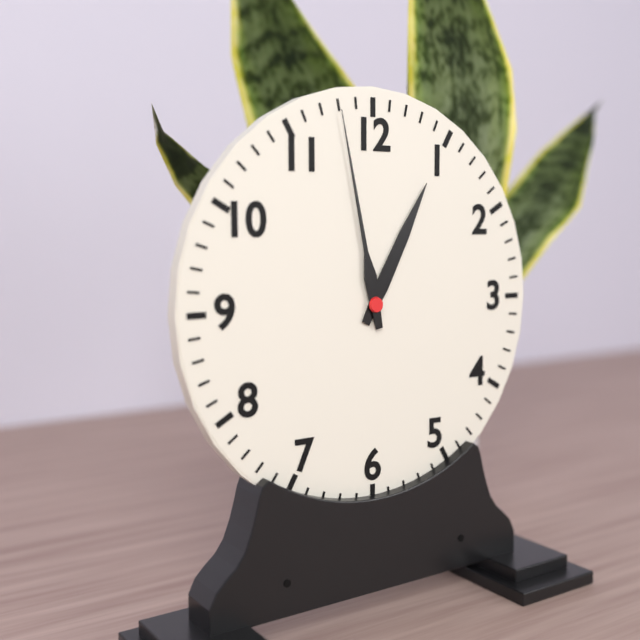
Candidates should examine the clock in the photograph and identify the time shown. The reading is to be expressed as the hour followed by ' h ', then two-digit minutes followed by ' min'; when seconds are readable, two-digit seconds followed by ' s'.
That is 12 h 58 min
